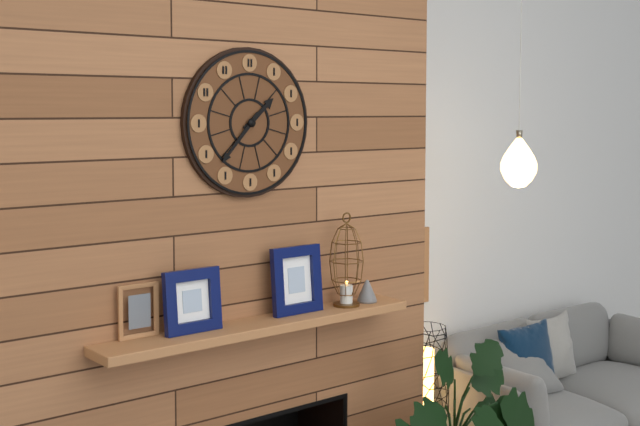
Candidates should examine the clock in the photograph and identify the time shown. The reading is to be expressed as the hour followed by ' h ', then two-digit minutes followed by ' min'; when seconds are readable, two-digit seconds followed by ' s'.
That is 1 h 37 min
